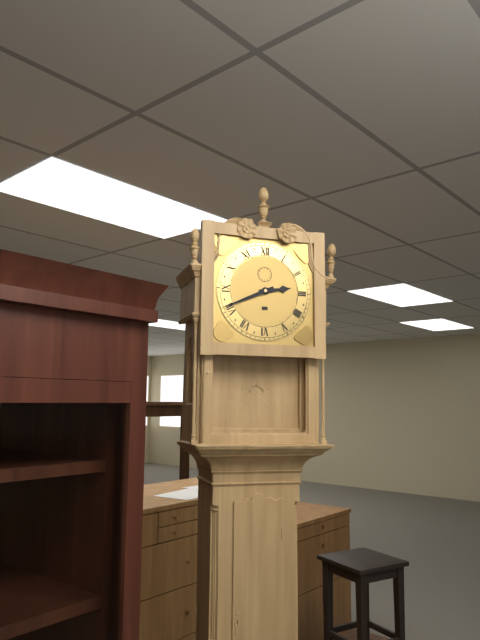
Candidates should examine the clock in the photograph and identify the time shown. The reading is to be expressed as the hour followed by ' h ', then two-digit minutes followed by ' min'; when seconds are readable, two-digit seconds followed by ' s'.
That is 2 h 41 min
